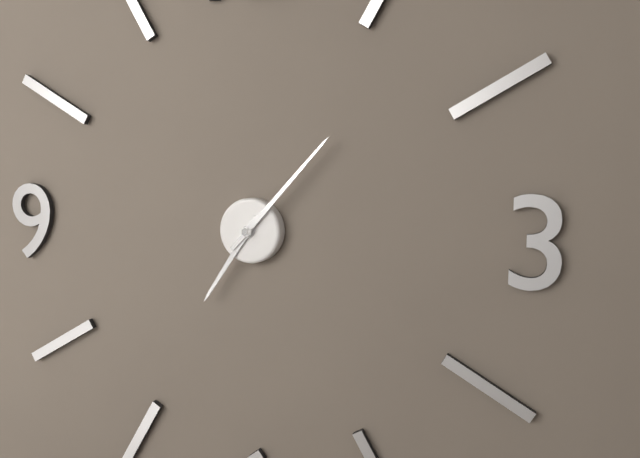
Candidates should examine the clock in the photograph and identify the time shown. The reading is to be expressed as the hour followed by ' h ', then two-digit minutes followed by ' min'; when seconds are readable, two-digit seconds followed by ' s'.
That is 7 h 07 min
